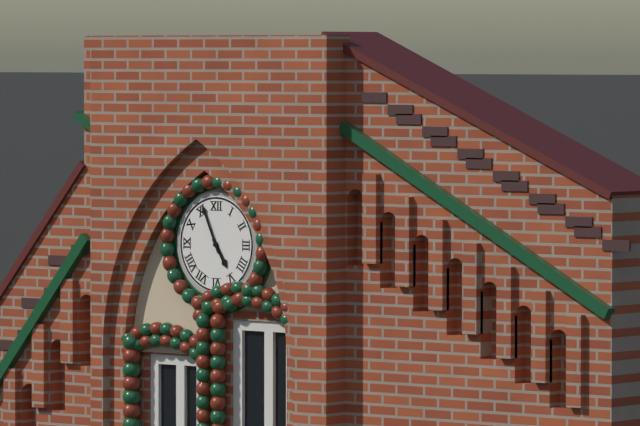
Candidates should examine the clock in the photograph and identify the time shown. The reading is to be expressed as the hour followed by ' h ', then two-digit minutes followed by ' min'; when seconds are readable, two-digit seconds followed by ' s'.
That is 4 h 56 min
